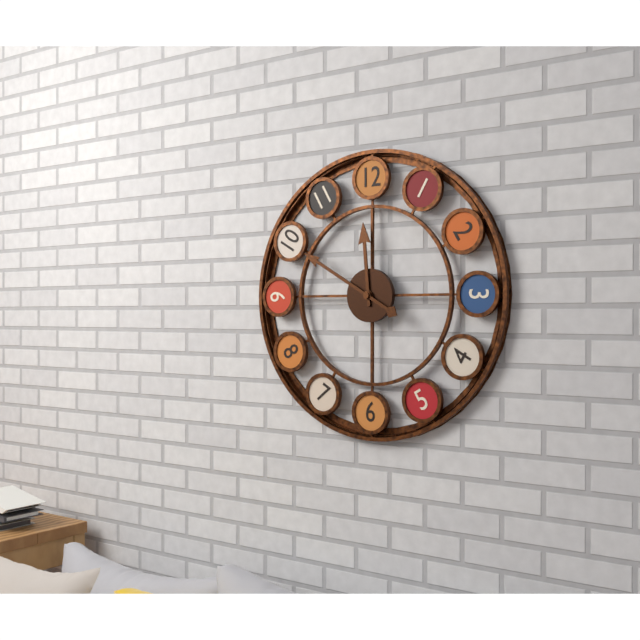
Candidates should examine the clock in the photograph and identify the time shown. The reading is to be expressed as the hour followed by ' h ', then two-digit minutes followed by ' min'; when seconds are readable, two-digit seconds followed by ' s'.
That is 11 h 50 min
